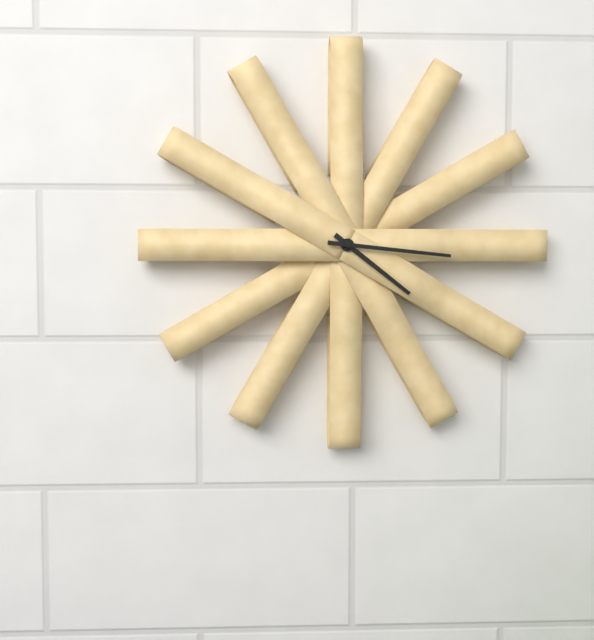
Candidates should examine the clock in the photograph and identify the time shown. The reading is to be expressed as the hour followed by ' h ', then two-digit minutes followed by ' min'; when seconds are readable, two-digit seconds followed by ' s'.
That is 4 h 16 min
